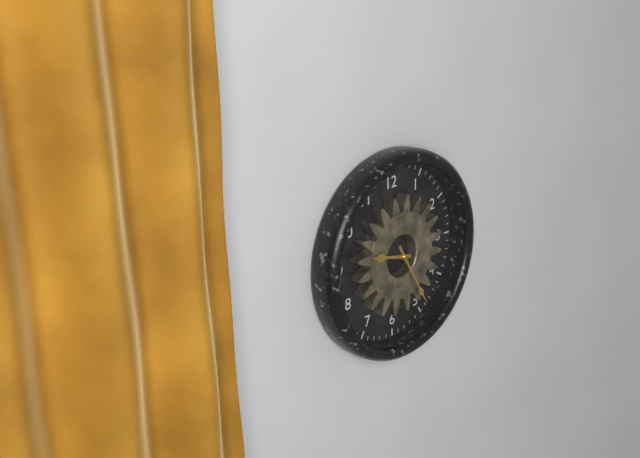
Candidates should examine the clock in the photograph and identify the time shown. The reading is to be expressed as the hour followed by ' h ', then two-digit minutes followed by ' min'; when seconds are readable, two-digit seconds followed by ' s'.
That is 9 h 25 min
